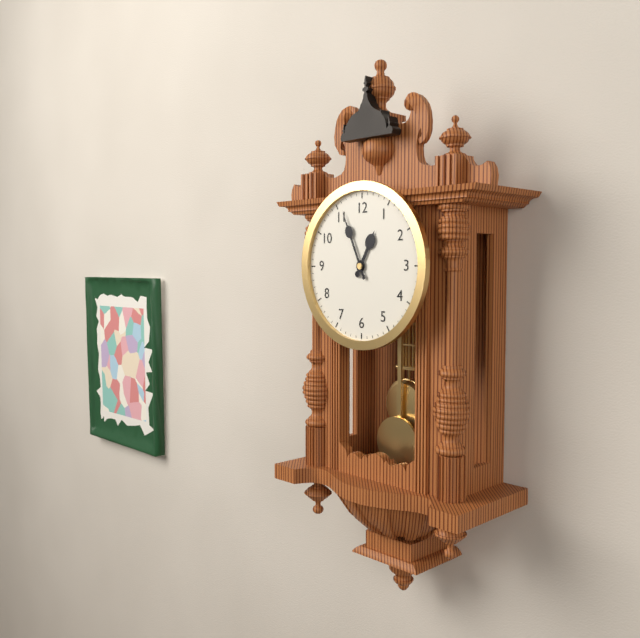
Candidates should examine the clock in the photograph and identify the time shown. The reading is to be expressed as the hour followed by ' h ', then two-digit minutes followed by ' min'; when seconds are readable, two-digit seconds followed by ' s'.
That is 12 h 56 min
